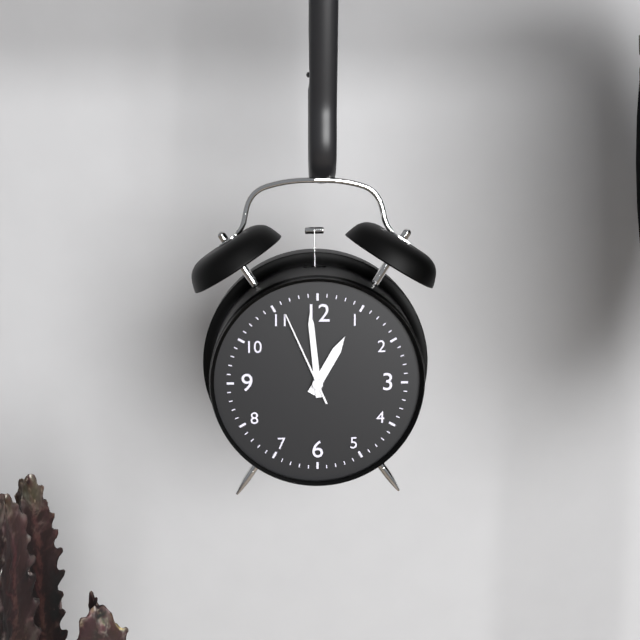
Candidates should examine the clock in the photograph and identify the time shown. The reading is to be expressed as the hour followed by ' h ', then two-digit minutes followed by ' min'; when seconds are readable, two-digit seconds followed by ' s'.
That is 12 h 59 min 56 s
